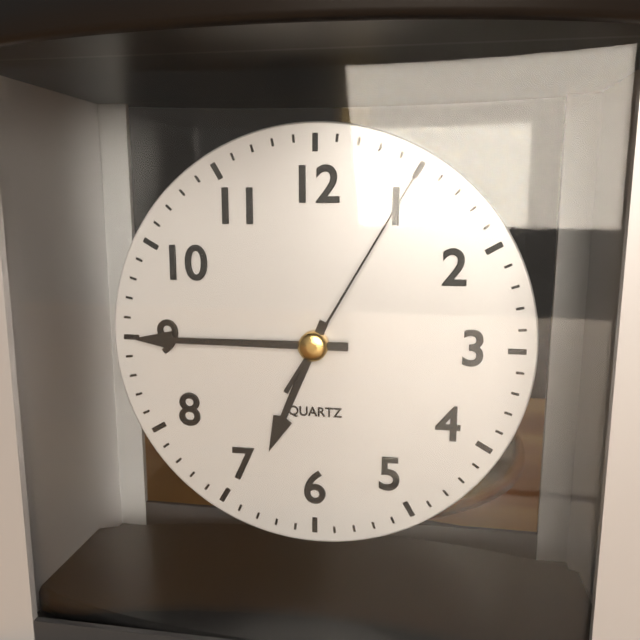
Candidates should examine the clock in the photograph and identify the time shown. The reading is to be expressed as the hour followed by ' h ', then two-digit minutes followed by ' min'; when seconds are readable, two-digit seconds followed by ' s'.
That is 6 h 45 min 05 s
